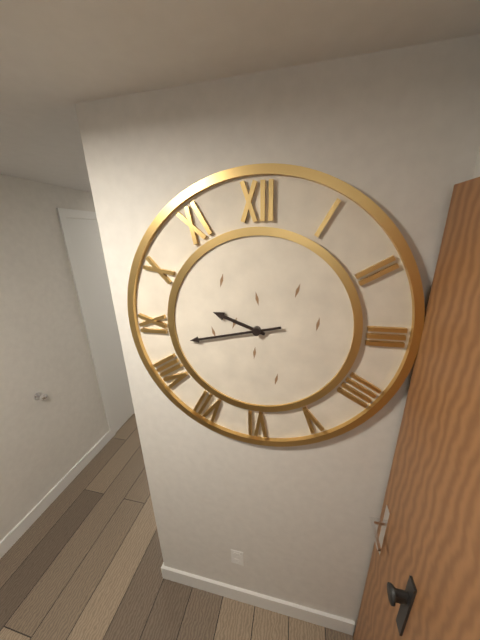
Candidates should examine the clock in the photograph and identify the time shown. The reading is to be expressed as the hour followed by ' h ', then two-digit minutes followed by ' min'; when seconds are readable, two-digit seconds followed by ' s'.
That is 9 h 43 min
